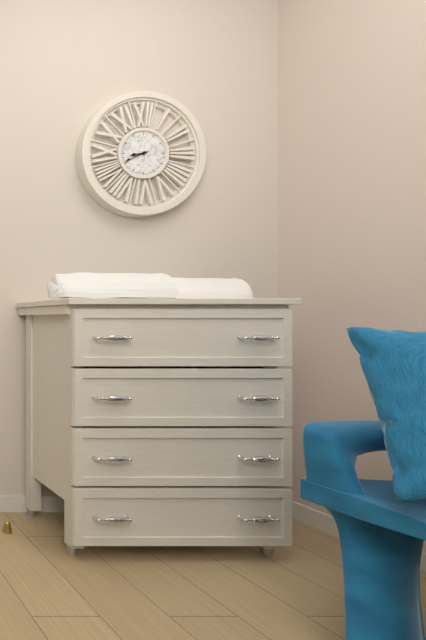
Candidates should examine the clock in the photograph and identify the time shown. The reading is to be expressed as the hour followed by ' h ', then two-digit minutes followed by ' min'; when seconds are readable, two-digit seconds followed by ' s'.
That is 8 h 41 min
